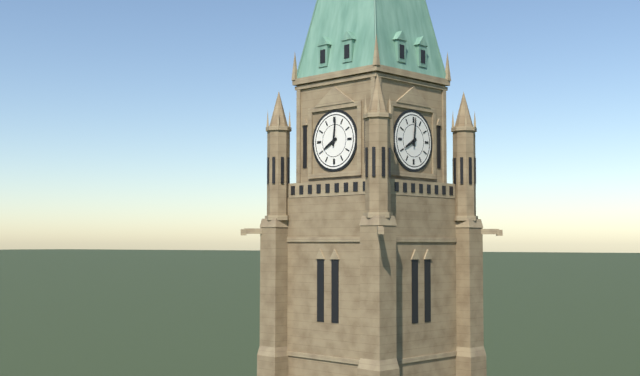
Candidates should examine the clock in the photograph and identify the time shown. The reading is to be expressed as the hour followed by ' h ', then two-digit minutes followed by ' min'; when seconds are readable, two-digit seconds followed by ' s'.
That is 8 h 01 min
